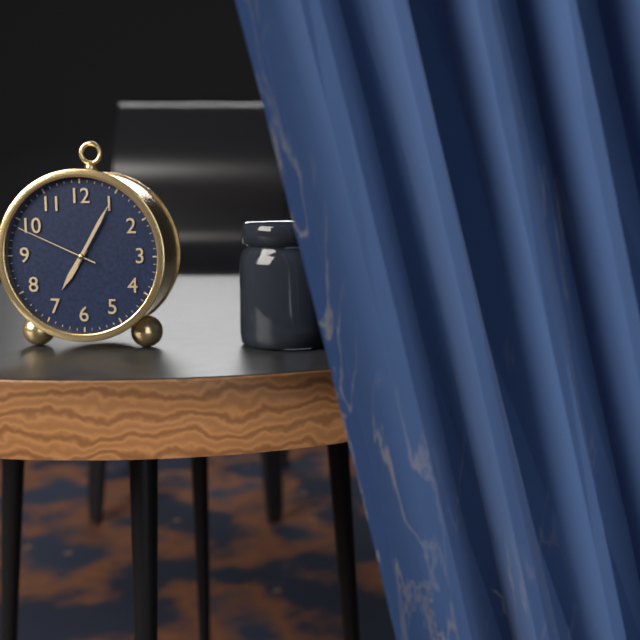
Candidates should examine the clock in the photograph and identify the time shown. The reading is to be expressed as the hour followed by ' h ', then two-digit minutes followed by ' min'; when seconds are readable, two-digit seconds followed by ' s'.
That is 7 h 05 min 49 s
